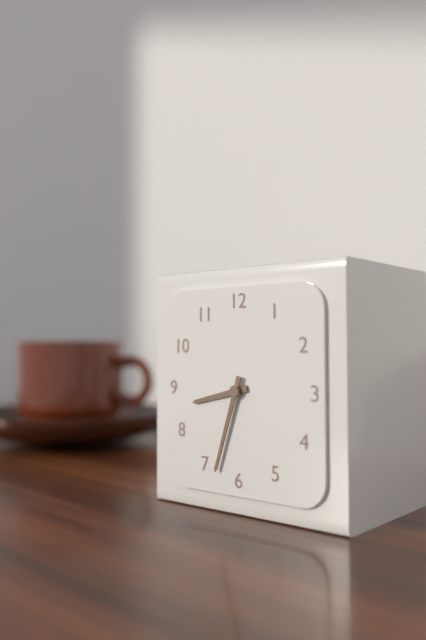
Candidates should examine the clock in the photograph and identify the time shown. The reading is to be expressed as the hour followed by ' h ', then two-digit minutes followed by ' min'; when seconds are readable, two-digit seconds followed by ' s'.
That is 8 h 33 min
